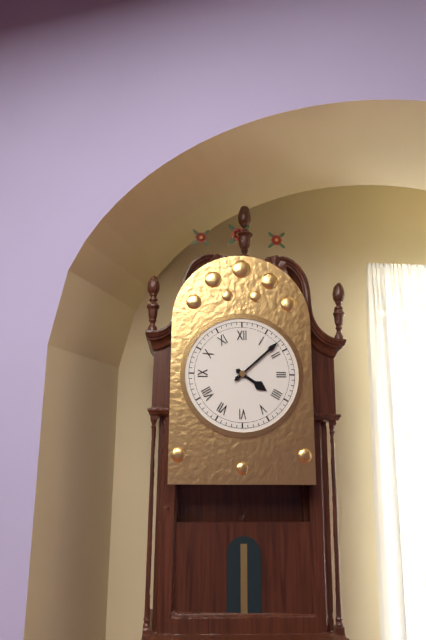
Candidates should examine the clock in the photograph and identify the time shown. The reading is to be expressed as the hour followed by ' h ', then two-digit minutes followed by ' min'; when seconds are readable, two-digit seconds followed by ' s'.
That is 4 h 08 min
